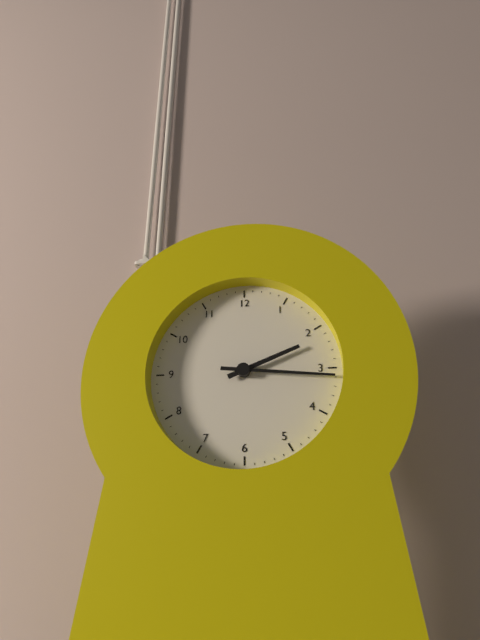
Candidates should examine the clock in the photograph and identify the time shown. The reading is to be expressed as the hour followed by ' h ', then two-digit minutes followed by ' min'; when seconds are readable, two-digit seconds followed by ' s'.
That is 2 h 16 min
